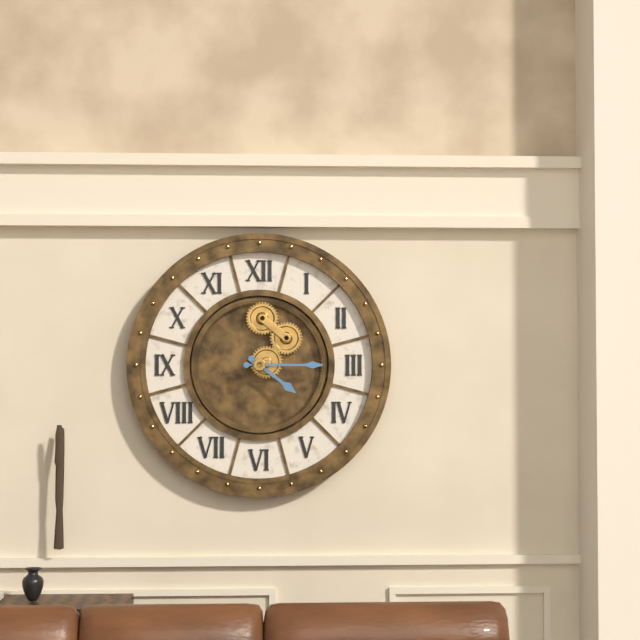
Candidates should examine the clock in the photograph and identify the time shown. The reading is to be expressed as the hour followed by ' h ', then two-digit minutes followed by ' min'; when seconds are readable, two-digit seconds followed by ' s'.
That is 4 h 15 min
